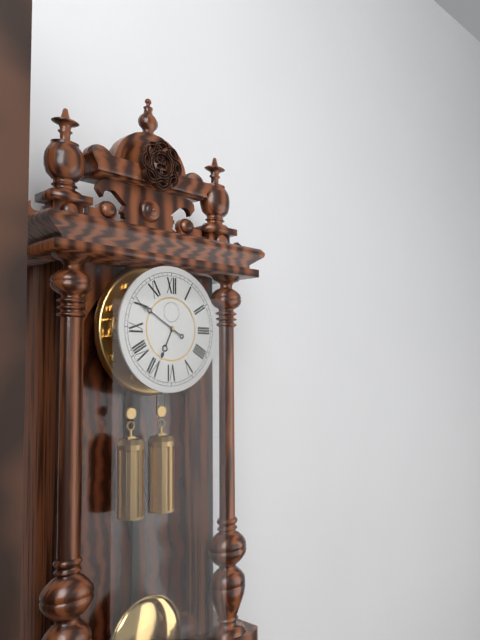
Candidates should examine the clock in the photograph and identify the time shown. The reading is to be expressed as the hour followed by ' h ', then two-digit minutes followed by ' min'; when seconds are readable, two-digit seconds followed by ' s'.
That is 6 h 50 min
